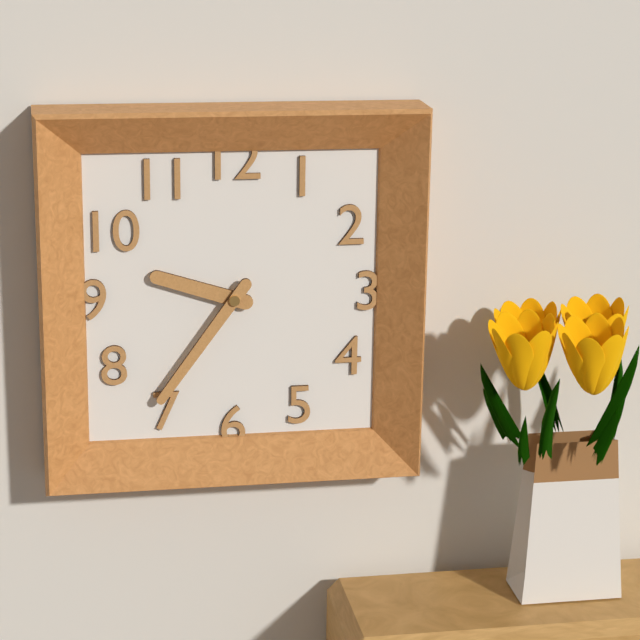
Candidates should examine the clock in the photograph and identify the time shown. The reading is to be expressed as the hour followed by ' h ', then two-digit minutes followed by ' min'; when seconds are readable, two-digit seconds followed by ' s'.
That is 9 h 36 min
